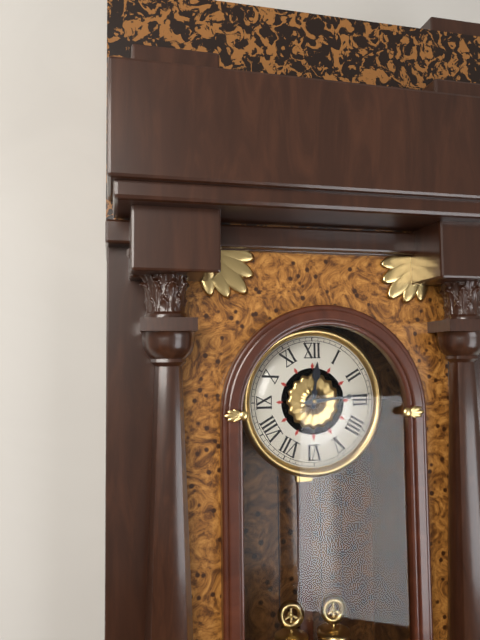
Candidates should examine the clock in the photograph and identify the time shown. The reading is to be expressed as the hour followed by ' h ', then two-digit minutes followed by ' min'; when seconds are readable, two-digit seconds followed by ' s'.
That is 12 h 14 min
